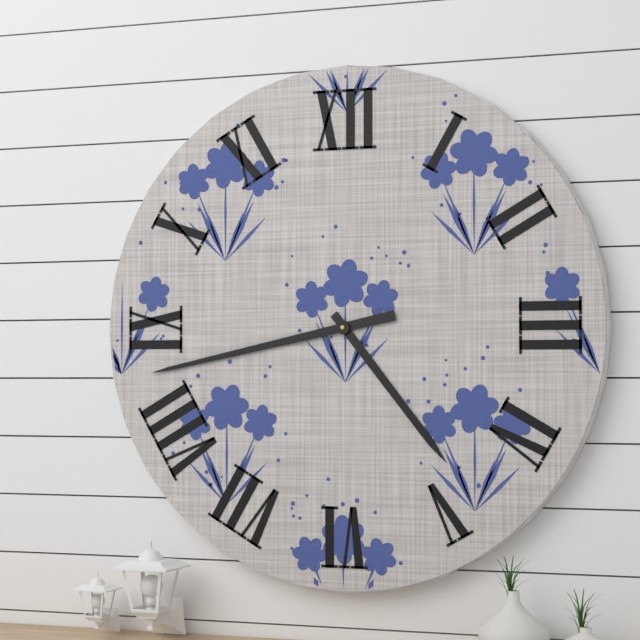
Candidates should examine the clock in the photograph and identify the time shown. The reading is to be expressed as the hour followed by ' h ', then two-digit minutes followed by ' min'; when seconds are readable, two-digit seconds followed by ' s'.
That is 4 h 43 min
